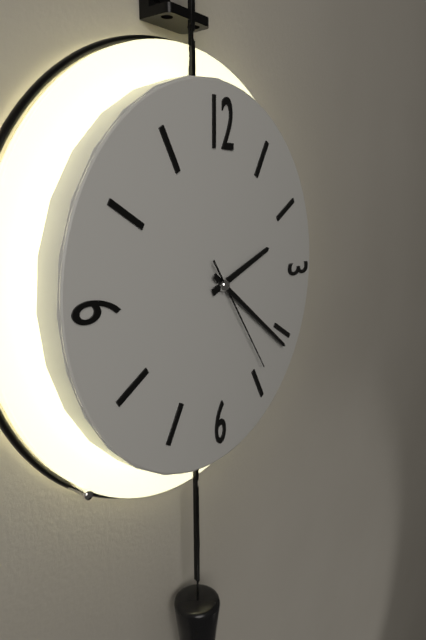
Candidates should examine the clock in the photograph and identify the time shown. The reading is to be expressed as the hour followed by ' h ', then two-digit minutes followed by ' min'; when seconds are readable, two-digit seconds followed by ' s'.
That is 2 h 21 min 24 s
